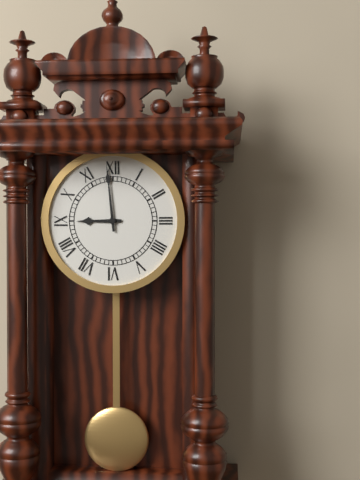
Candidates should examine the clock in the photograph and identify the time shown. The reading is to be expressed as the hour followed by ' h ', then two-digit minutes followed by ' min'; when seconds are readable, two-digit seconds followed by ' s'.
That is 8 h 59 min
